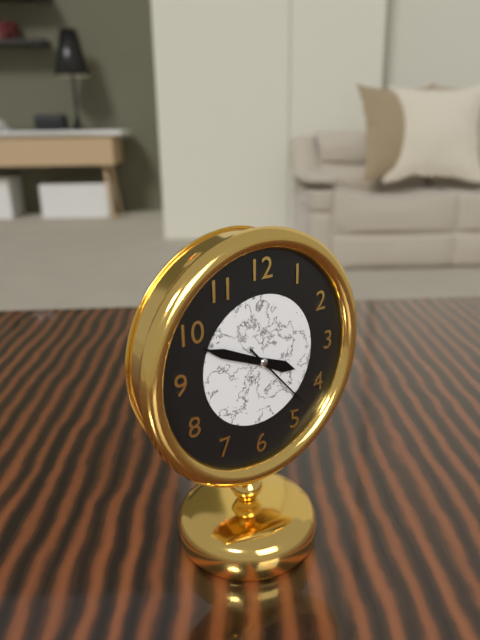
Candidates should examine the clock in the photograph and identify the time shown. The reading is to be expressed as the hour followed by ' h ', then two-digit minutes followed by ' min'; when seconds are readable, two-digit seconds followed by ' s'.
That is 3 h 49 min 23 s
